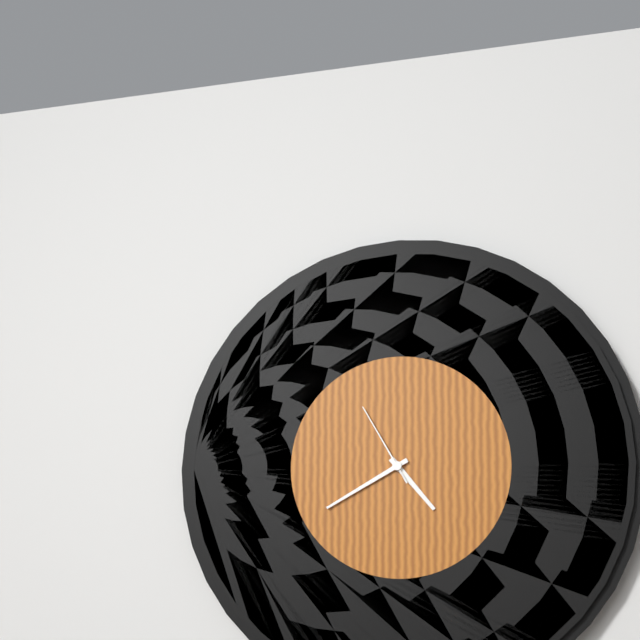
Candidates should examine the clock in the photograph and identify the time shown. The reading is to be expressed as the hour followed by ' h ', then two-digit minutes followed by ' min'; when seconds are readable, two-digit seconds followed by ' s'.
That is 4 h 40 min 55 s
